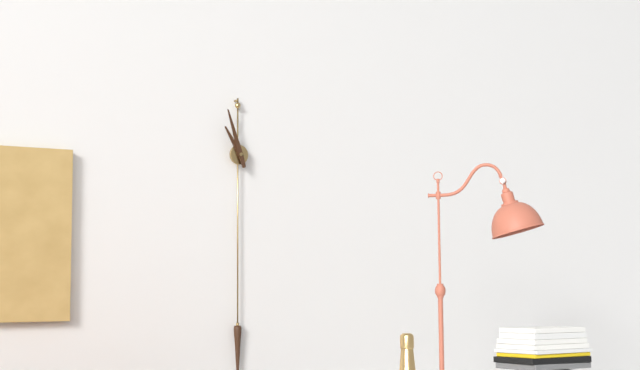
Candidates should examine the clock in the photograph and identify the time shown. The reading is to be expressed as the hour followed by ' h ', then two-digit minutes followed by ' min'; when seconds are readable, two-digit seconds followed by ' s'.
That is 10 h 57 min
